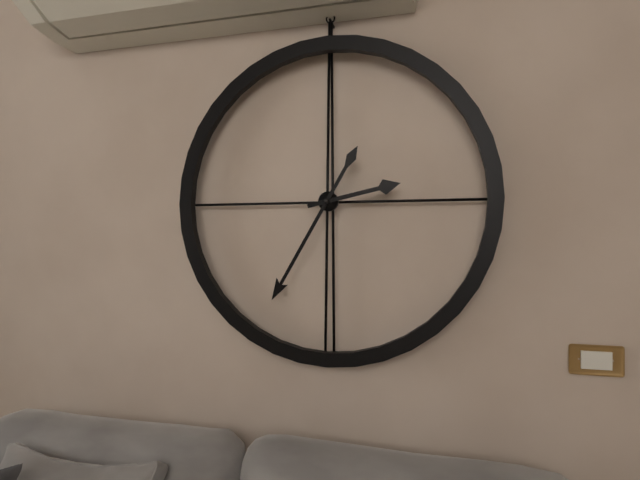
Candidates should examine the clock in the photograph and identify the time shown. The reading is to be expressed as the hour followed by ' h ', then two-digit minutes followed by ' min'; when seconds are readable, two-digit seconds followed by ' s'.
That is 2 h 35 min
